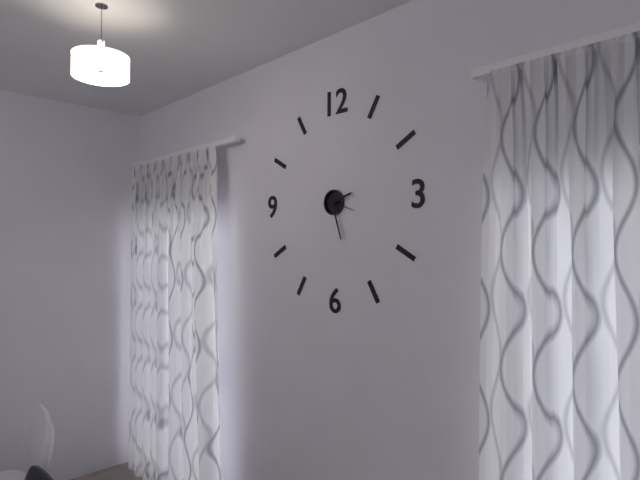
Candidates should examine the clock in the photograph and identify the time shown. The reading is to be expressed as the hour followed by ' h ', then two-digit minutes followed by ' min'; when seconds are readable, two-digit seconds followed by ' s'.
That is 2 h 27 min
